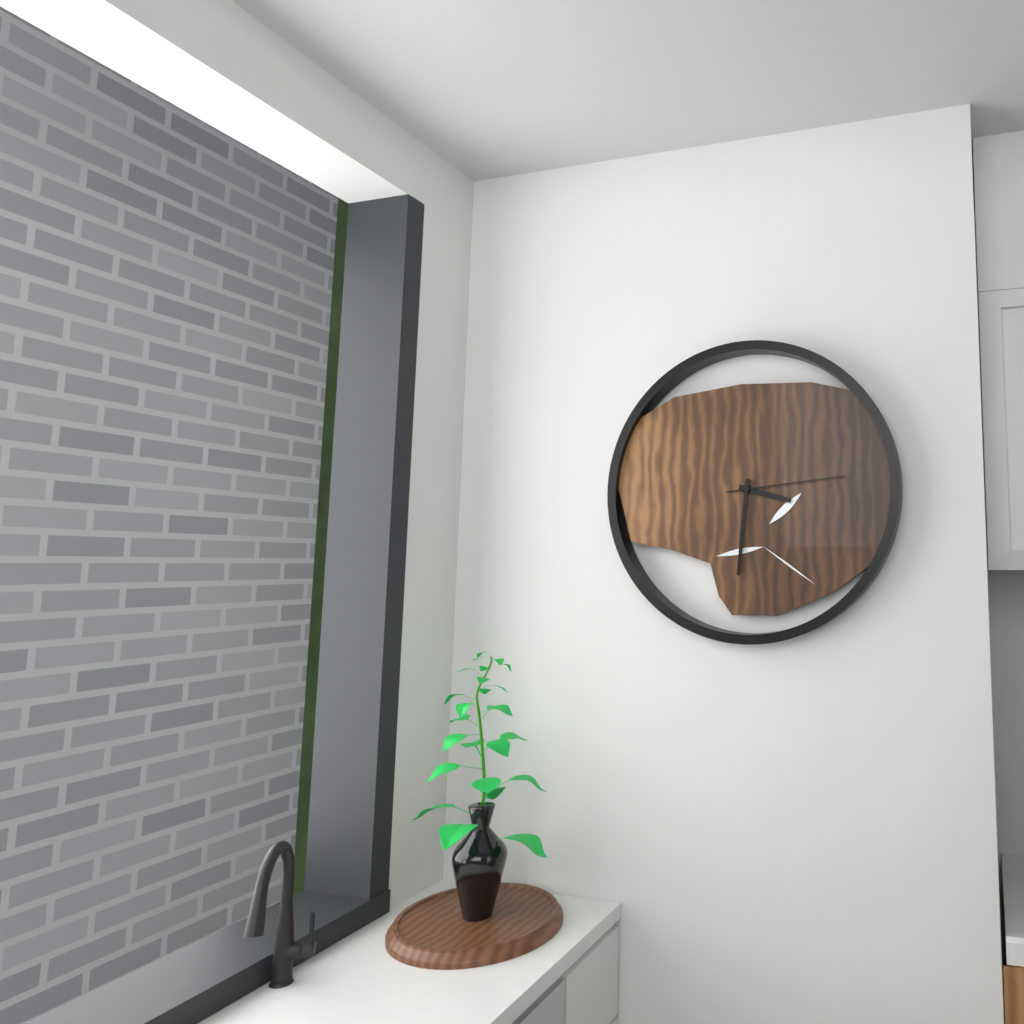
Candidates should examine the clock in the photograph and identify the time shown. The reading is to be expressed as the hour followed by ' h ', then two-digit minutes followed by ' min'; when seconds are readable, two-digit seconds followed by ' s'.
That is 3 h 31 min 14 s
